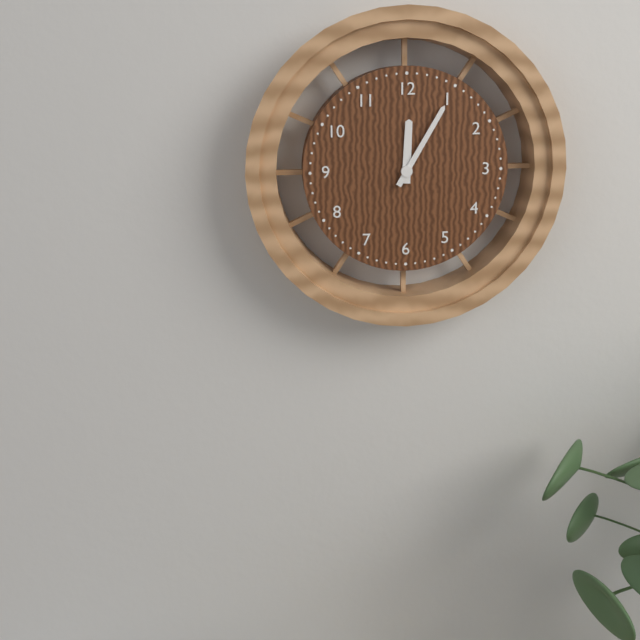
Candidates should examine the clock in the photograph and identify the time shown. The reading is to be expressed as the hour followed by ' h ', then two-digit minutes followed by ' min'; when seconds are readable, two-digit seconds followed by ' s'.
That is 12 h 05 min
